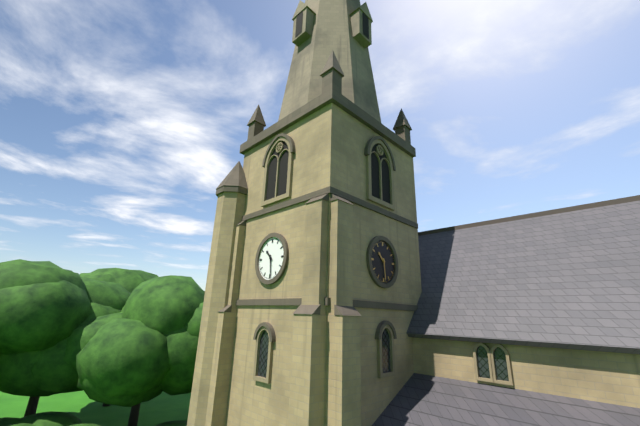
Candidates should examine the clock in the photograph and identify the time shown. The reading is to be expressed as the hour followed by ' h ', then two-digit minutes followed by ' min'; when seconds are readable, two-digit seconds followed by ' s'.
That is 10 h 29 min
